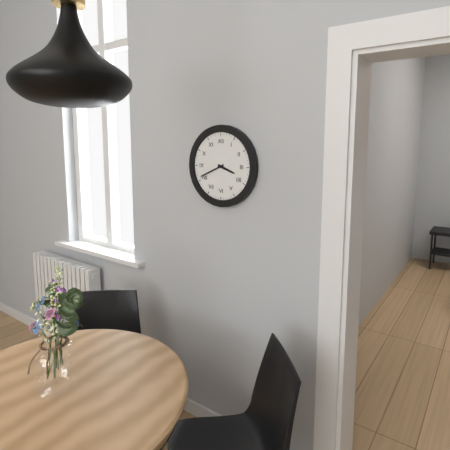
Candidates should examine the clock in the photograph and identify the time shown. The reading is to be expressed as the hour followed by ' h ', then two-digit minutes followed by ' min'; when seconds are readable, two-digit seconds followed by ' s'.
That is 3 h 41 min
